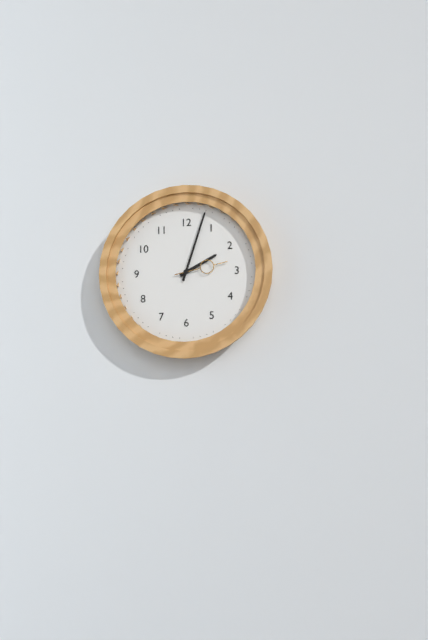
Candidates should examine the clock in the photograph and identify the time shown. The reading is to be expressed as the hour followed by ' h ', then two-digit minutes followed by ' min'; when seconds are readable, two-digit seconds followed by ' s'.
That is 2 h 03 min 13 s
